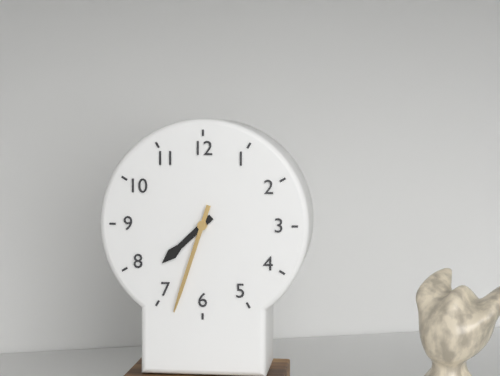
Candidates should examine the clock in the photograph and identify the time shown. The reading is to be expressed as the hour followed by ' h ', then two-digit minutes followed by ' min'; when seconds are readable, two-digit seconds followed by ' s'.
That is 7 h 33 min
